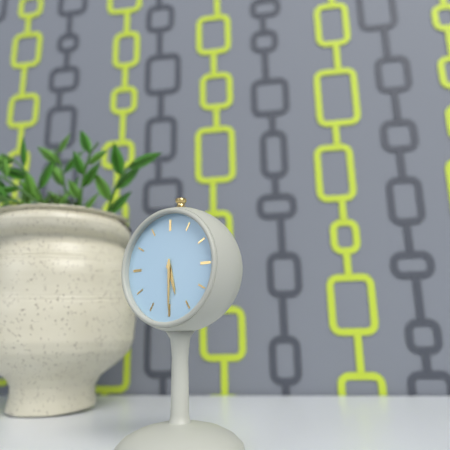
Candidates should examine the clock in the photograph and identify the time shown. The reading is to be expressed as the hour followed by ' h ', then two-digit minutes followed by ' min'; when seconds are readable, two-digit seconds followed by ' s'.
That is 5 h 30 min
